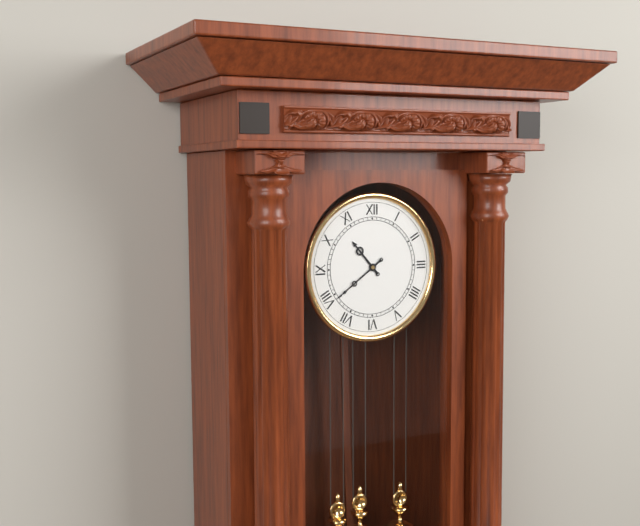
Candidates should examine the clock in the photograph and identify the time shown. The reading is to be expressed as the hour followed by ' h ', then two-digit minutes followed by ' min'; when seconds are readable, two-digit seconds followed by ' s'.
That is 10 h 39 min
